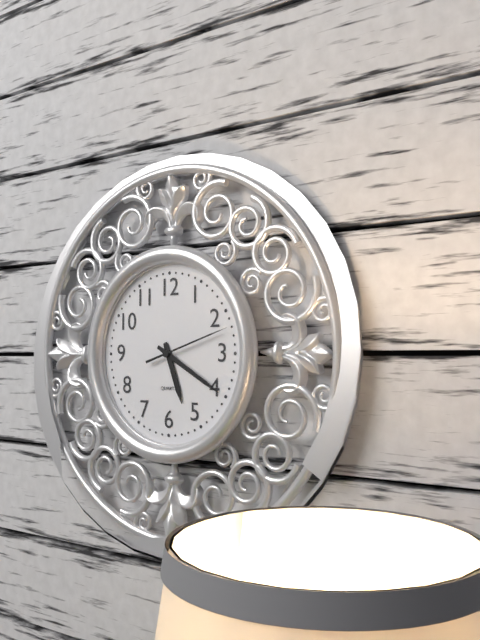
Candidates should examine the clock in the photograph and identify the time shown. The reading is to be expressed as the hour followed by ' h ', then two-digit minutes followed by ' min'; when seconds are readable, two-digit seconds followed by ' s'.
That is 5 h 20 min 12 s
